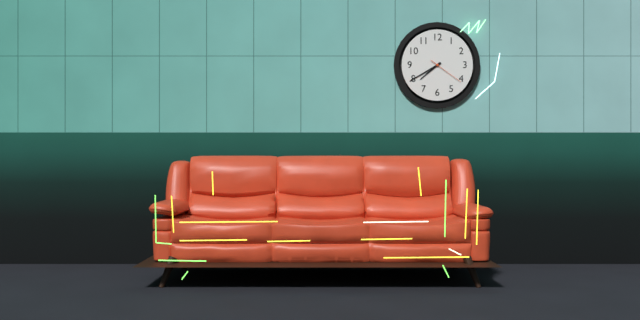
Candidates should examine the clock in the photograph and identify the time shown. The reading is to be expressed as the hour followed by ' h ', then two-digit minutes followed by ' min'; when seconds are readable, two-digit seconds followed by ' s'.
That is 7 h 40 min
